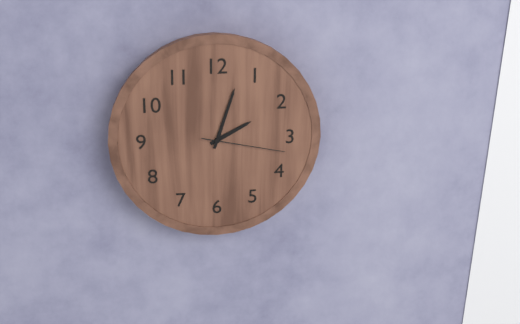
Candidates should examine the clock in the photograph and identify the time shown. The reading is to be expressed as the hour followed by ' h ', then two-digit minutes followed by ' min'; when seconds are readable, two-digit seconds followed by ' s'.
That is 2 h 03 min 17 s
